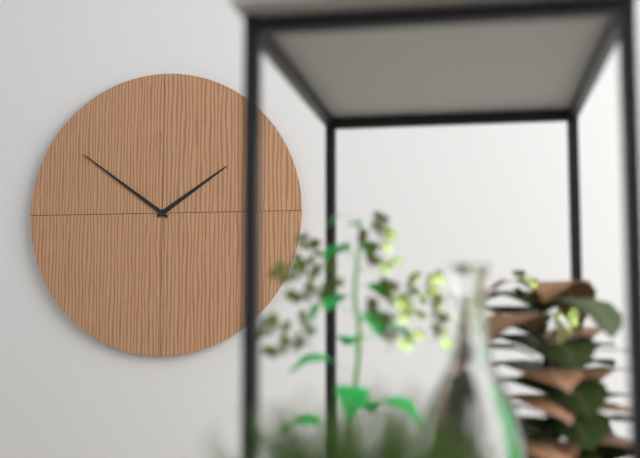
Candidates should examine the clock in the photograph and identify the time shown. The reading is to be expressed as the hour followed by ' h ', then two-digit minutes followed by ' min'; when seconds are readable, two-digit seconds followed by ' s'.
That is 1 h 51 min
